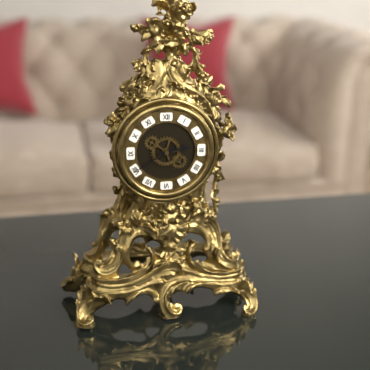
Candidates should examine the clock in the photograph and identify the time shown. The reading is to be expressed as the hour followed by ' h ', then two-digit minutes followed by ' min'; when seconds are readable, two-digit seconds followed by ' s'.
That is 2 h 40 min
